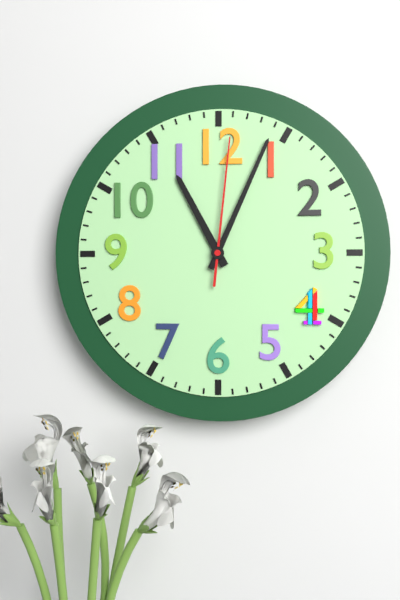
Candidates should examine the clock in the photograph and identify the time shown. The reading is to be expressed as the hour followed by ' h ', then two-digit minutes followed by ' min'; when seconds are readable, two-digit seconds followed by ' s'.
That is 11 h 04 min 01 s
